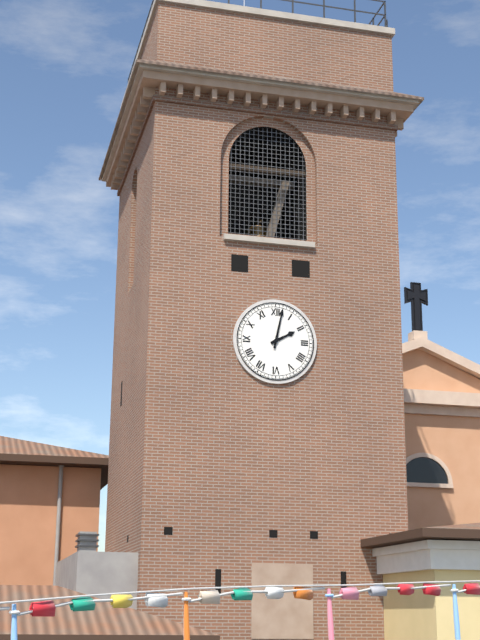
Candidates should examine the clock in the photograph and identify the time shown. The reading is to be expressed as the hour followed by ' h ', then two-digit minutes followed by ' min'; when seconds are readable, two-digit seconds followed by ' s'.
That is 2 h 02 min
